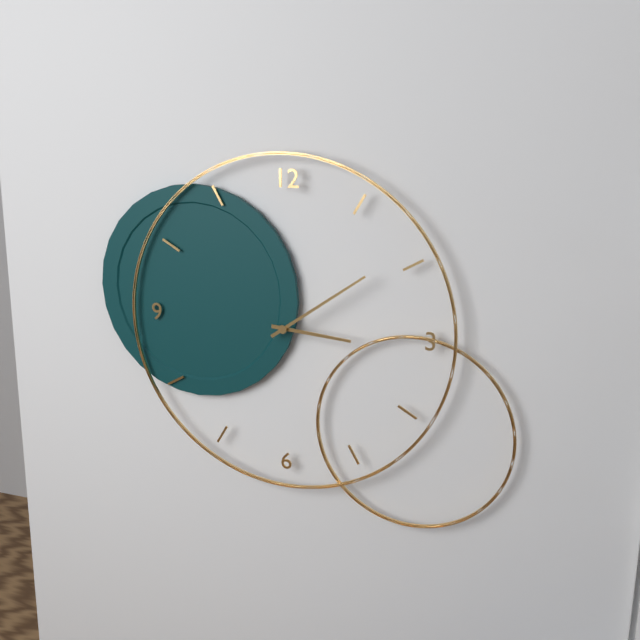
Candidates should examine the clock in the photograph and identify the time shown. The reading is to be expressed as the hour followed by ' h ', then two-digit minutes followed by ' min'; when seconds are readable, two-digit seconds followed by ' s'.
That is 3 h 09 min
